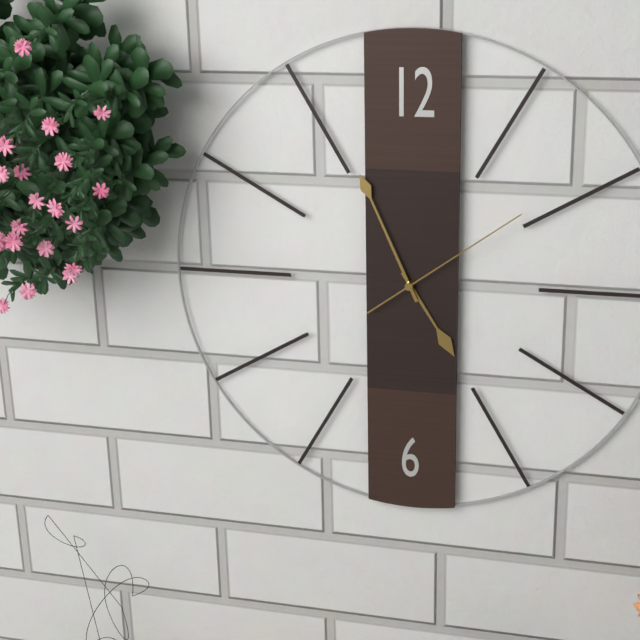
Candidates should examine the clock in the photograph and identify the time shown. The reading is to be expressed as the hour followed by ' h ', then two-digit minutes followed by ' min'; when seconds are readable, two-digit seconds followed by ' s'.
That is 4 h 56 min 09 s
